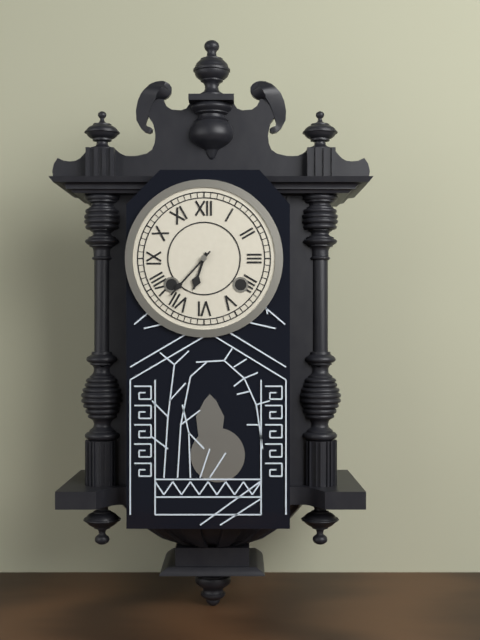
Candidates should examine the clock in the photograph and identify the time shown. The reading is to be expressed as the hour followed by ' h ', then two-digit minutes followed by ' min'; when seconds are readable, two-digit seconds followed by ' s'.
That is 6 h 37 min
